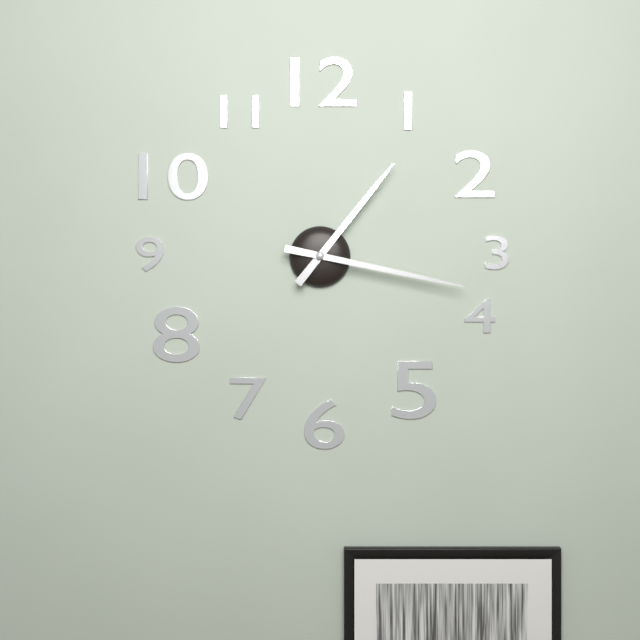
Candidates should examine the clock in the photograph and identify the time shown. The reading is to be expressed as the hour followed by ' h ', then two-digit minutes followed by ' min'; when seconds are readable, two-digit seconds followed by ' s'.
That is 1 h 17 min
